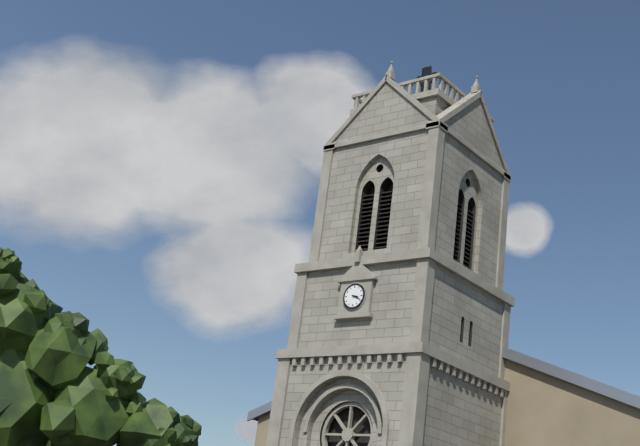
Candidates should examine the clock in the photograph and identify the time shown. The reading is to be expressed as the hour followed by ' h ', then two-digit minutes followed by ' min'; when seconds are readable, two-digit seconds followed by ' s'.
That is 3 h 19 min
